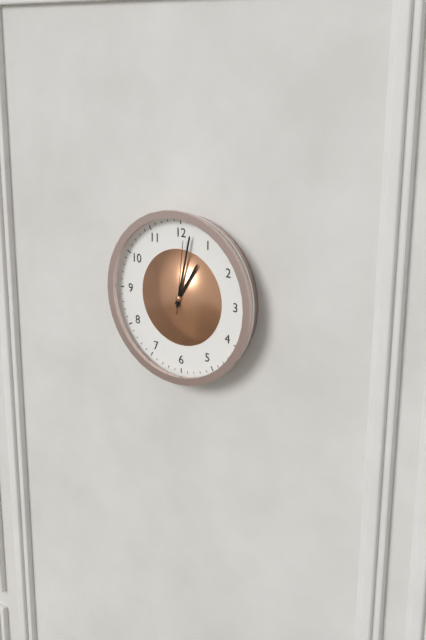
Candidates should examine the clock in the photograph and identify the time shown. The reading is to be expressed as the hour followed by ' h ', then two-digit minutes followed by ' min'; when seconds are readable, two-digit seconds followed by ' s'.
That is 1 h 02 min 01 s
